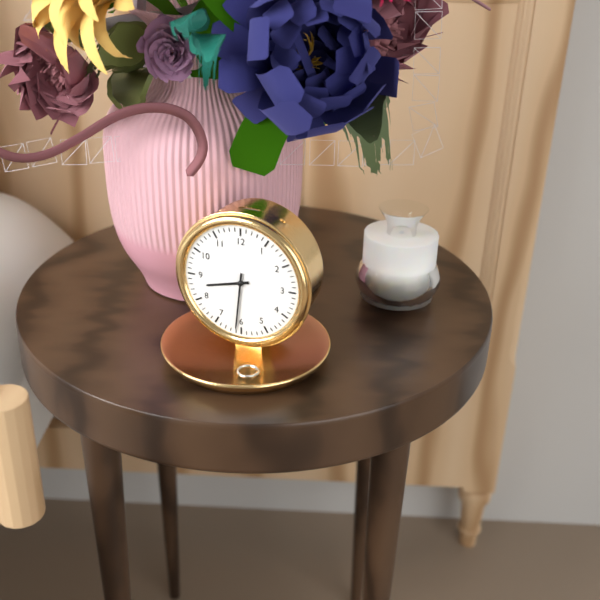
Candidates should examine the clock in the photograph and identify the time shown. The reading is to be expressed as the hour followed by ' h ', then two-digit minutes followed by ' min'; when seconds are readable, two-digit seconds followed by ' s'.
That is 8 h 31 min
